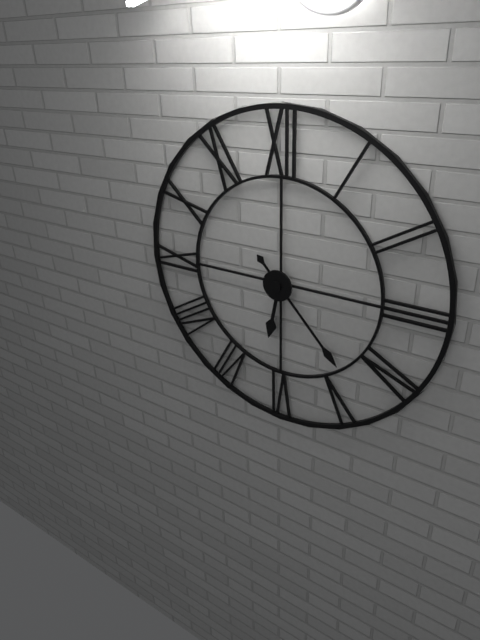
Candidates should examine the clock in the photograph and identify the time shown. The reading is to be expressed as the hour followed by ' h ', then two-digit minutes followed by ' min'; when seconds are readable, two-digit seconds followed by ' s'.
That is 6 h 23 min
